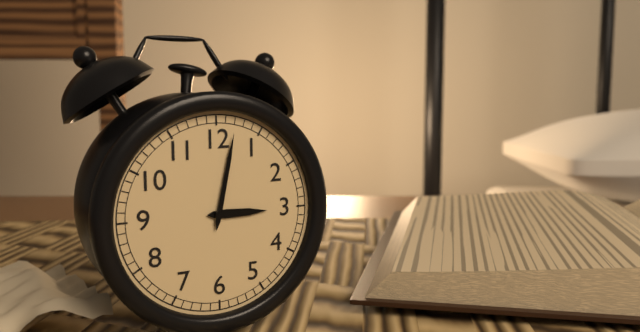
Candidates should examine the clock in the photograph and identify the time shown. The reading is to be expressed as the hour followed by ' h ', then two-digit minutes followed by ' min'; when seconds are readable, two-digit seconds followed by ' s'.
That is 3 h 02 min
